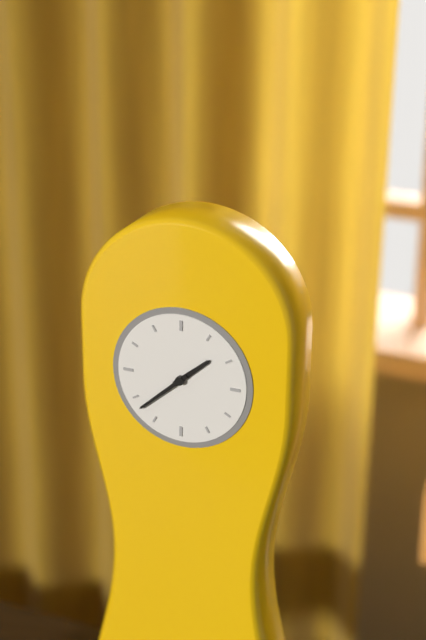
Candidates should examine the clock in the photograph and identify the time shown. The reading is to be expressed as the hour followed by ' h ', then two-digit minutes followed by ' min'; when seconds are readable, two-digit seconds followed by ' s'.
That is 1 h 38 min
